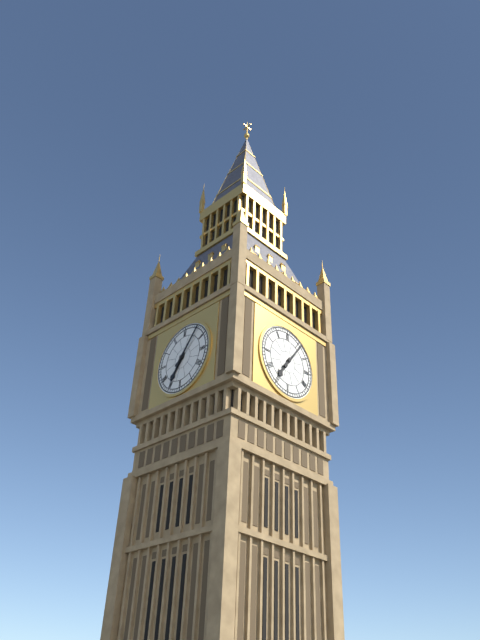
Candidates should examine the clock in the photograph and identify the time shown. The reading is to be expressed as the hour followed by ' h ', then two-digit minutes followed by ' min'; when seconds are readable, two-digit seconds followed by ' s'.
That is 7 h 06 min
